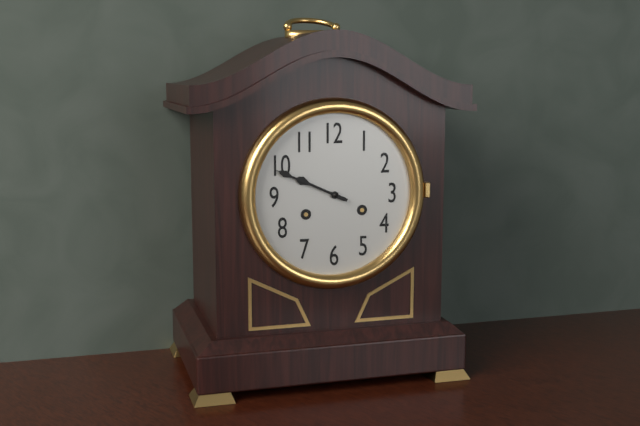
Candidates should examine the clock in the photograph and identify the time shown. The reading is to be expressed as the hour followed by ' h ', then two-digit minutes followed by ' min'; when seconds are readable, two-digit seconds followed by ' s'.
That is 9 h 49 min
